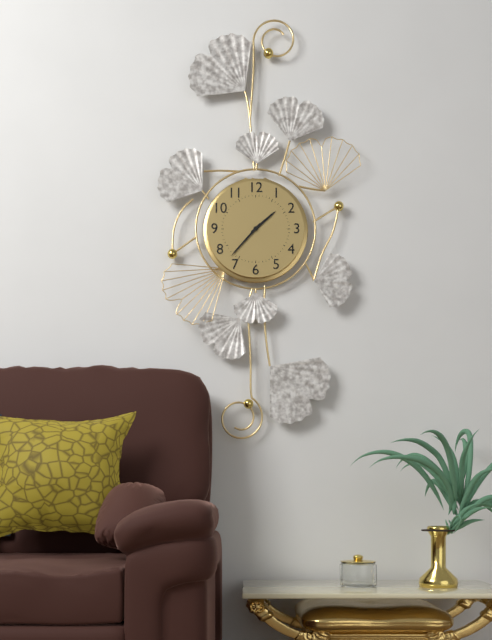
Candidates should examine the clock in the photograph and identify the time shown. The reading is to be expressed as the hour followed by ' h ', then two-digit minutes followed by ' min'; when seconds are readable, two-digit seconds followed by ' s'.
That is 1 h 37 min
